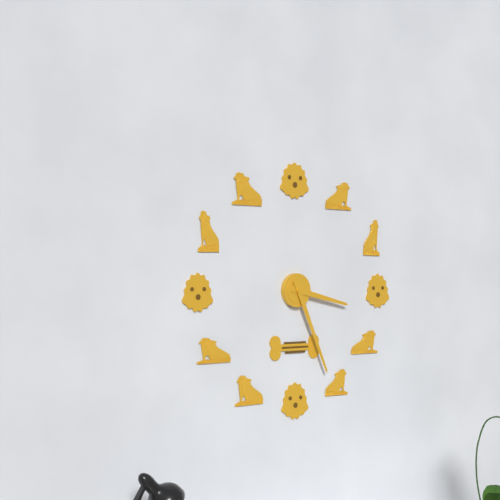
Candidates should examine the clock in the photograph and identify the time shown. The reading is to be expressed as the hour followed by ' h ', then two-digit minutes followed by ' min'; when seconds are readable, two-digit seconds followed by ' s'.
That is 3 h 26 min
